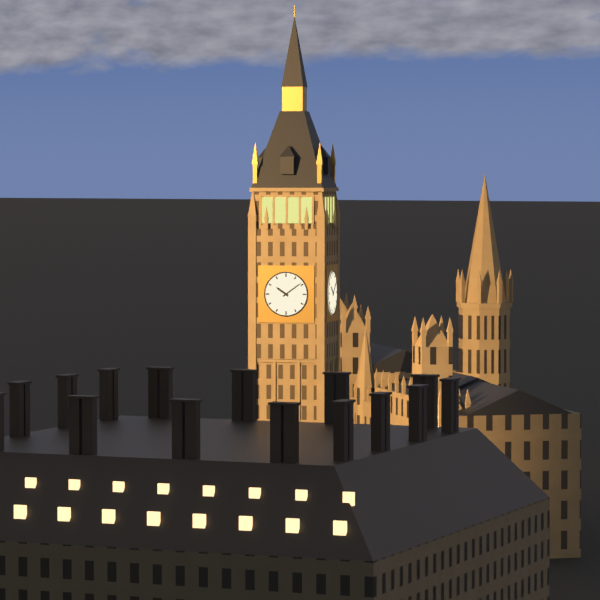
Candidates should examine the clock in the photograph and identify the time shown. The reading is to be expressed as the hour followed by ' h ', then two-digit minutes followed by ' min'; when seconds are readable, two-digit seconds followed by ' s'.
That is 10 h 09 min
